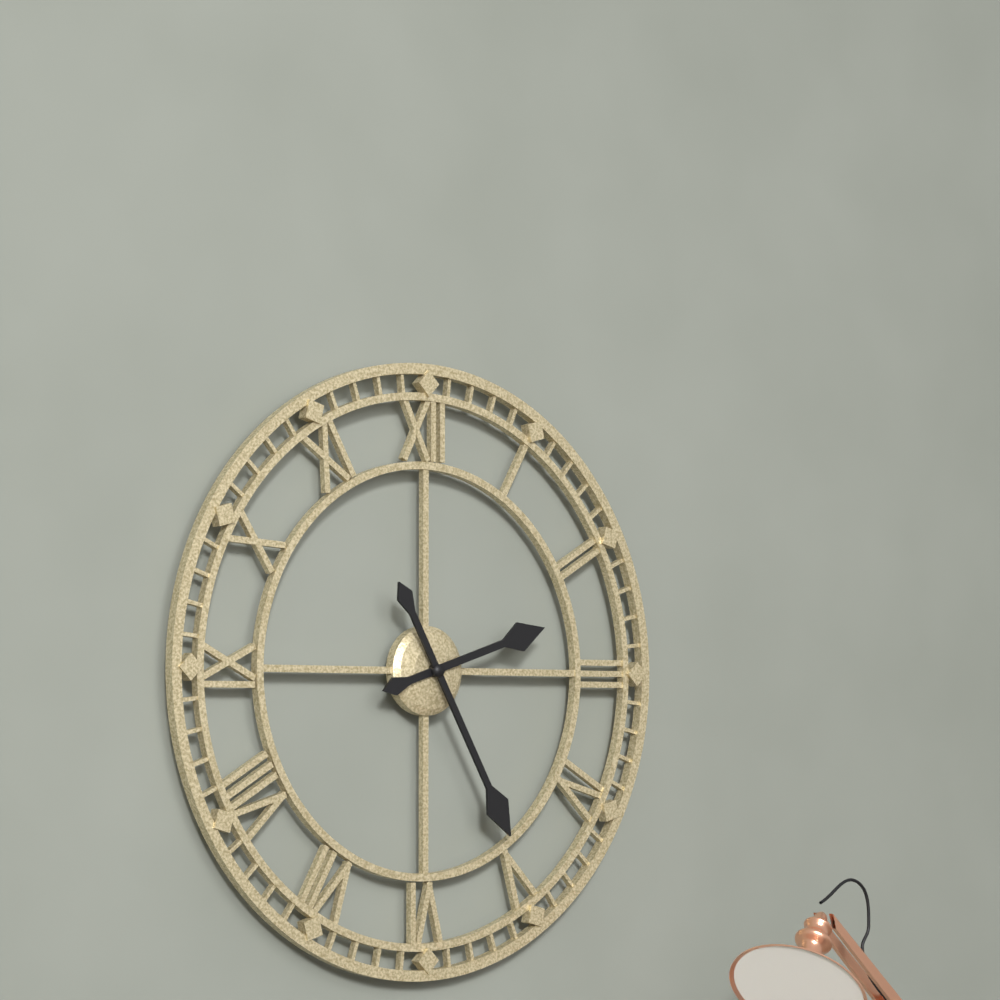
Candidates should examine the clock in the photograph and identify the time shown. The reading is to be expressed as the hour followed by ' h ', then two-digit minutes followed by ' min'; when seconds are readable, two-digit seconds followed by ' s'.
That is 2 h 25 min
